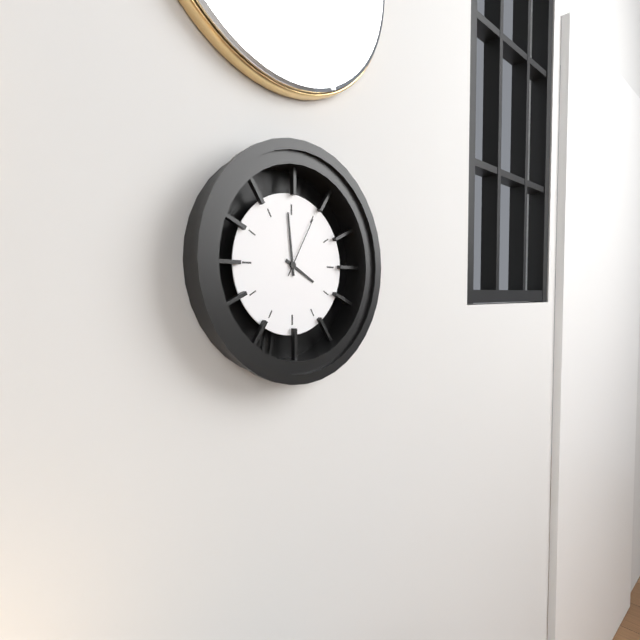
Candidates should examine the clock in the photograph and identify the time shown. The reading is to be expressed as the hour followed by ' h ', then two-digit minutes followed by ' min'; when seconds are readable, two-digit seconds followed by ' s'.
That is 3 h 59 min 05 s
